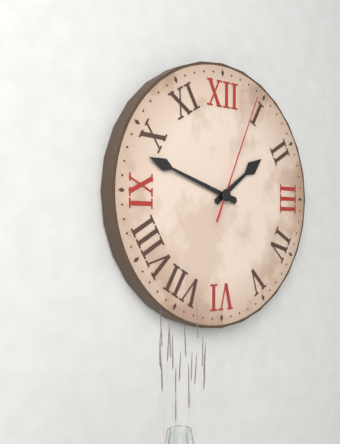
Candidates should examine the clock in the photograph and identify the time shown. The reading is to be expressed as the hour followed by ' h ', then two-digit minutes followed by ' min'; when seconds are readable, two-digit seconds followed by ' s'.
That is 1 h 48 min 04 s
